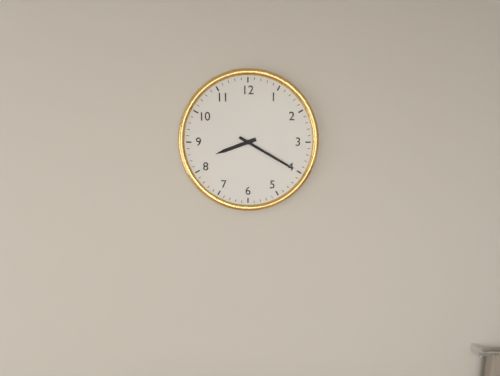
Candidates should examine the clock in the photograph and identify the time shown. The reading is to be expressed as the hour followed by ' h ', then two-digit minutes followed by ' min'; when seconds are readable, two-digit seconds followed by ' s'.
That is 8 h 20 min
